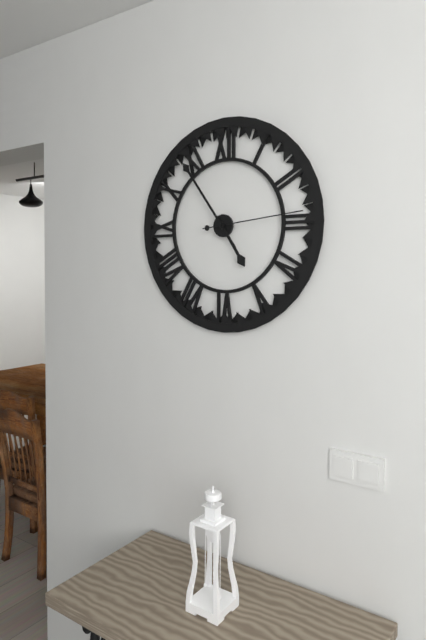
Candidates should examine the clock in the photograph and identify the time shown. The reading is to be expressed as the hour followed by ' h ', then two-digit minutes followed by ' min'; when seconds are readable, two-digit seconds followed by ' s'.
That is 4 h 54 min 14 s
